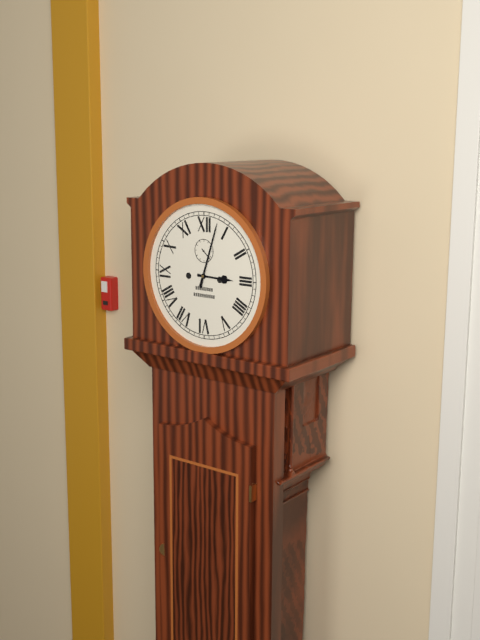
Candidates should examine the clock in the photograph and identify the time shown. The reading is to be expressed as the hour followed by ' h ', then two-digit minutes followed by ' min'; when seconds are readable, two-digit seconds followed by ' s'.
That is 3 h 03 min
